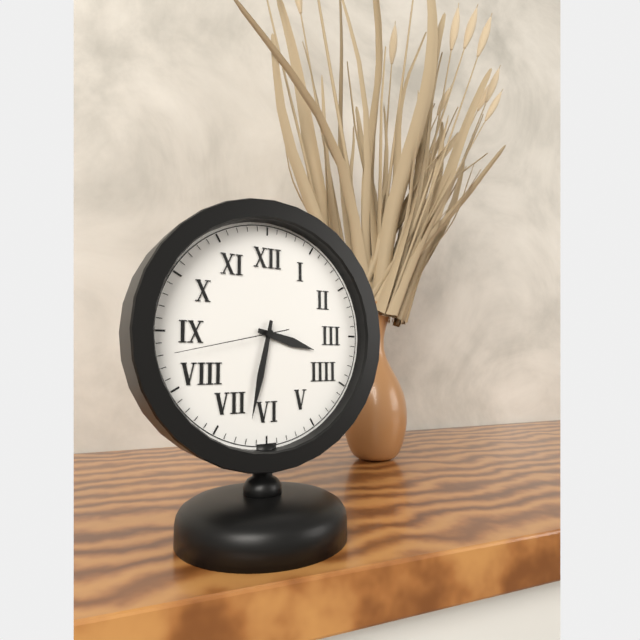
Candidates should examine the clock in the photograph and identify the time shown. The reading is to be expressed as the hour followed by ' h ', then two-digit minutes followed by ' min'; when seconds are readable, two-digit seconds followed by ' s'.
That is 3 h 32 min 43 s
